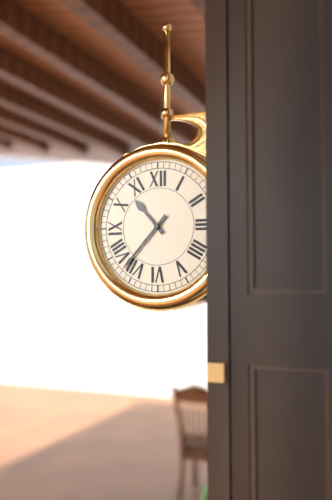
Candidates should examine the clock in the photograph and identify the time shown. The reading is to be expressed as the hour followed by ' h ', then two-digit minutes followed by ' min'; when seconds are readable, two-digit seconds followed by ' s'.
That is 10 h 37 min
